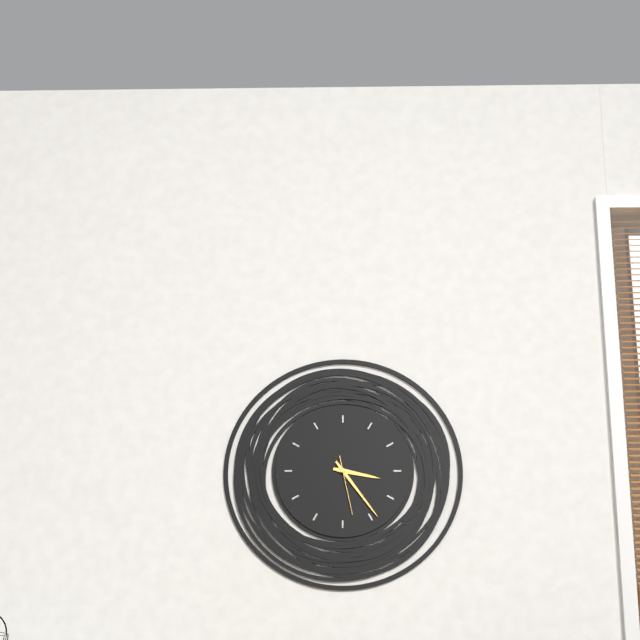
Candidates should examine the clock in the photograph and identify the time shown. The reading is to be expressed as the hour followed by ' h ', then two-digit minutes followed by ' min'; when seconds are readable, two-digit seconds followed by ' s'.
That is 3 h 24 min 28 s
